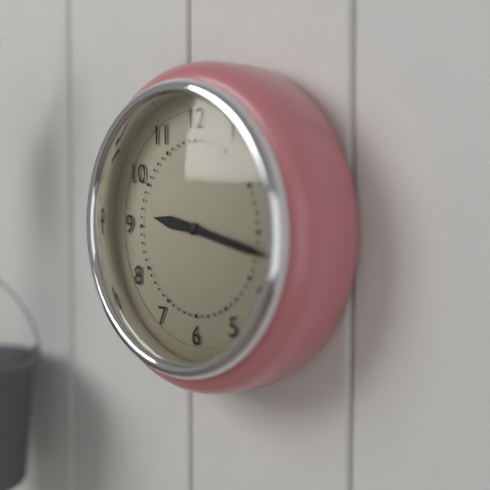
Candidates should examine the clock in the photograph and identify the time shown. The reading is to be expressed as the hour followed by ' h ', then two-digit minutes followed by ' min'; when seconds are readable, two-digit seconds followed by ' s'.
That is 9 h 17 min
